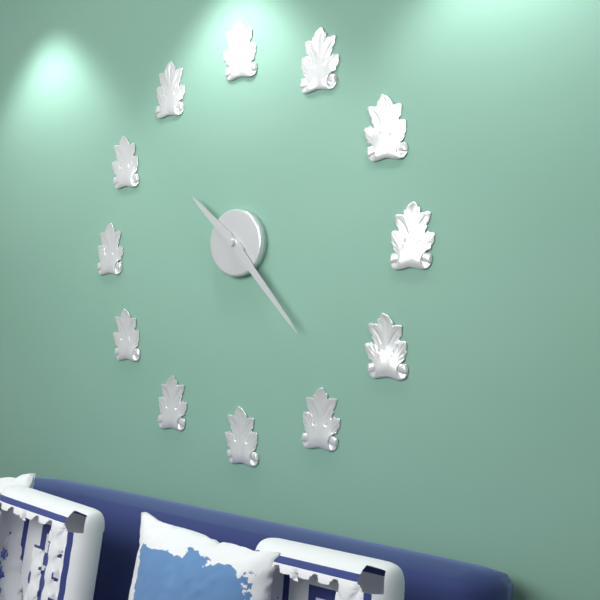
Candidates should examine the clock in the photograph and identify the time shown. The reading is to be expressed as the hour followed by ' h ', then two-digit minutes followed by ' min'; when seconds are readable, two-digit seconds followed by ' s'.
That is 10 h 23 min
